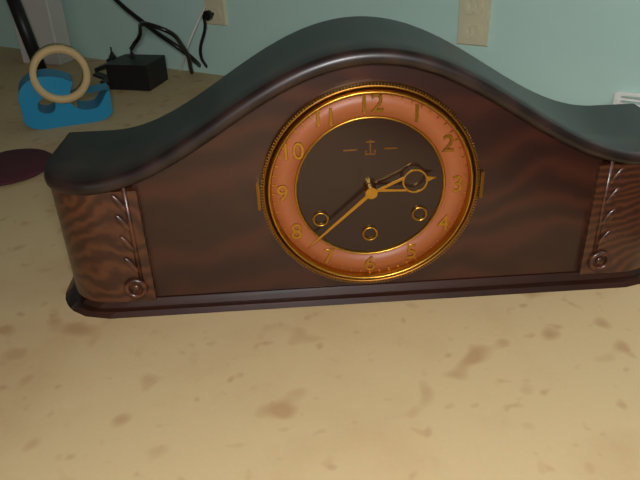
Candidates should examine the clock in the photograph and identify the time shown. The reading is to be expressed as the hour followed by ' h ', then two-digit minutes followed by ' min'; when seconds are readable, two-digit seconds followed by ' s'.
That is 2 h 38 min
